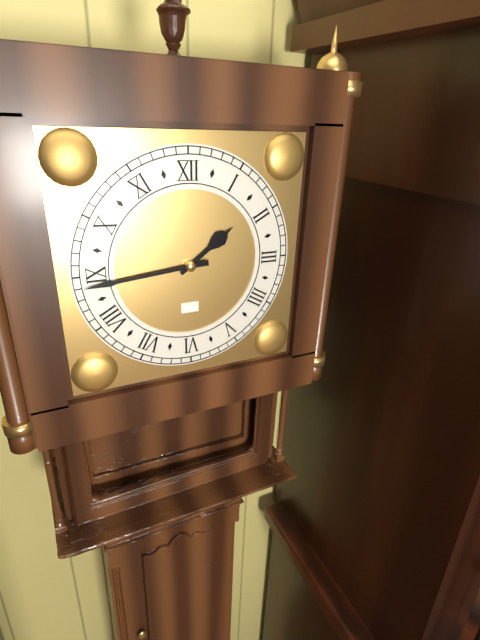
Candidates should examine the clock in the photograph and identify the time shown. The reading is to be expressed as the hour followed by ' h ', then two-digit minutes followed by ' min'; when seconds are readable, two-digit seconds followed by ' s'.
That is 1 h 44 min
